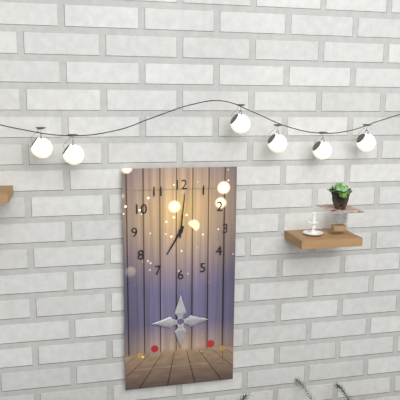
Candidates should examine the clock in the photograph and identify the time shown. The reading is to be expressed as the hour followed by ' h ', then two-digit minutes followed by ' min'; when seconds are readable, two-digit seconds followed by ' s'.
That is 7 h 01 min
